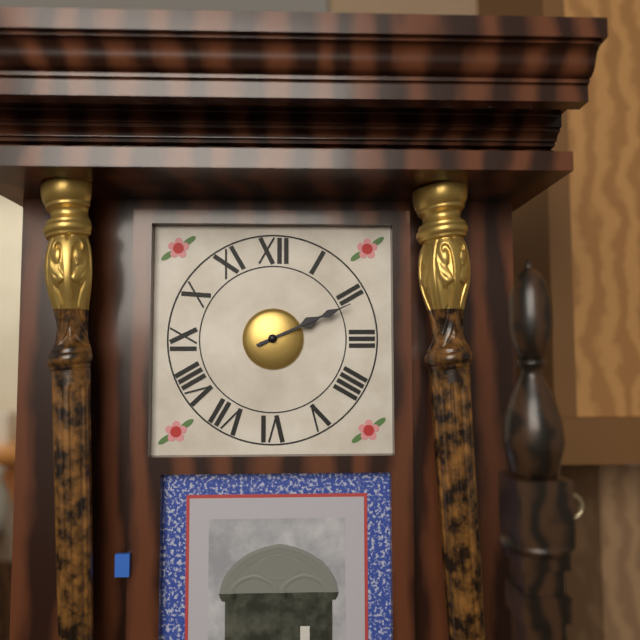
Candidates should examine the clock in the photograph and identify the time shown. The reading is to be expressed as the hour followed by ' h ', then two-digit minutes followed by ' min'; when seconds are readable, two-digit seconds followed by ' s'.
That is 2 h 11 min
